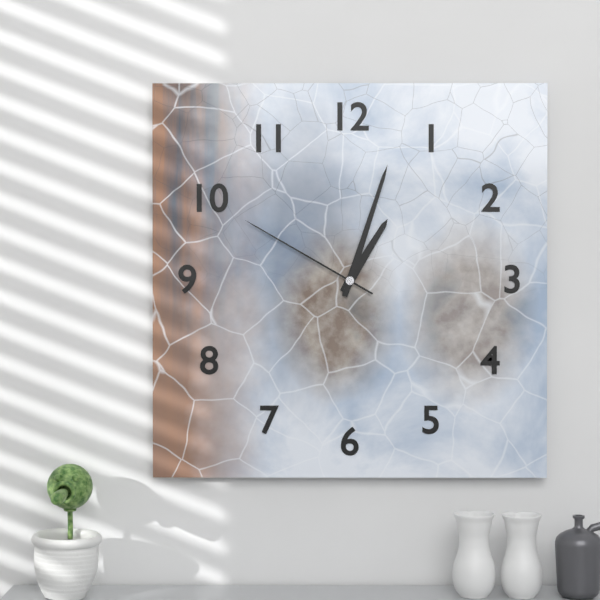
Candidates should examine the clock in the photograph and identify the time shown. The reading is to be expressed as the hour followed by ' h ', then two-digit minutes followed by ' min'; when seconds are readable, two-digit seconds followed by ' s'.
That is 1 h 03 min 50 s
